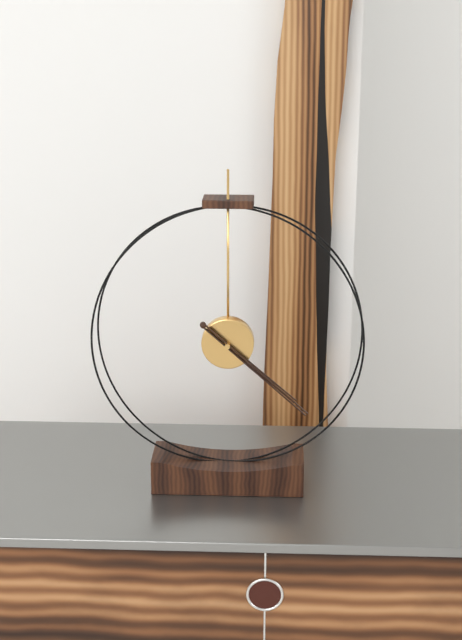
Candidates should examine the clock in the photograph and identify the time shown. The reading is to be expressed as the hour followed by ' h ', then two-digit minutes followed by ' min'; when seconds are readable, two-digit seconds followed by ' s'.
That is 4 h 22 min
